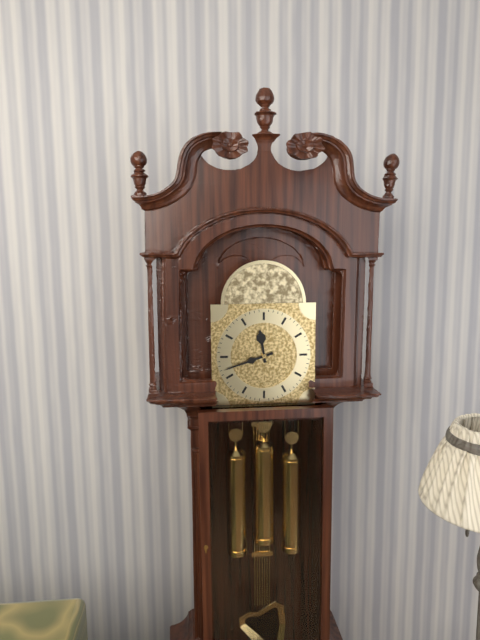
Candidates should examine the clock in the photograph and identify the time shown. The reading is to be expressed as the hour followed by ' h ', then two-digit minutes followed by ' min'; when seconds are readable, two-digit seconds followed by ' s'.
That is 11 h 42 min
